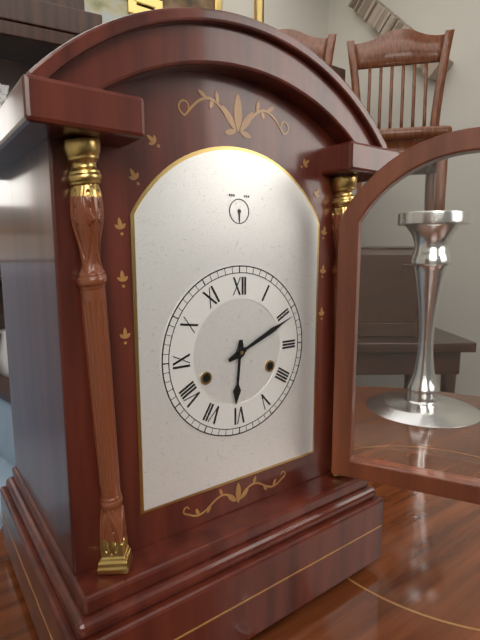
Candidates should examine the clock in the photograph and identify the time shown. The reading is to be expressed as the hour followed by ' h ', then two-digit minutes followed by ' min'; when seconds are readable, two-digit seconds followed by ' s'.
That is 6 h 11 min
